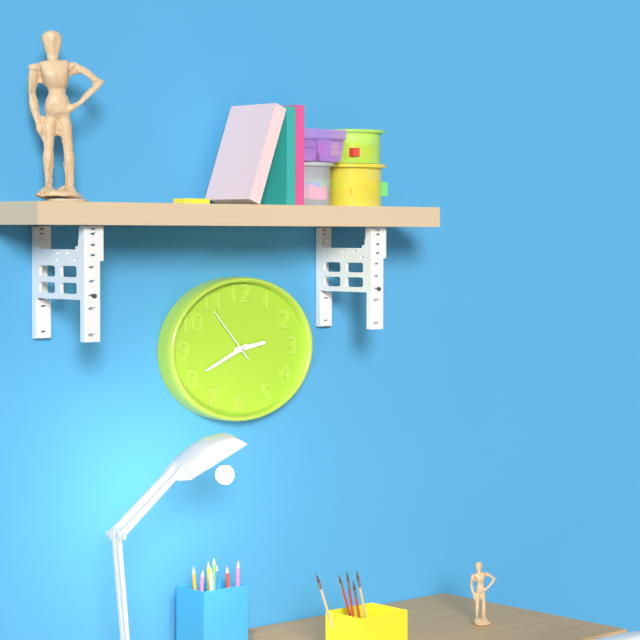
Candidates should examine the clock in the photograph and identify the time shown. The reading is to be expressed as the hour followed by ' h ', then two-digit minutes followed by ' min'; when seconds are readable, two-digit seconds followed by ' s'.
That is 2 h 41 min 53 s
